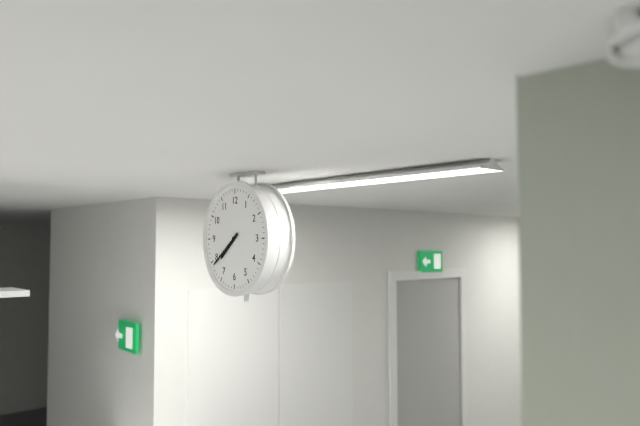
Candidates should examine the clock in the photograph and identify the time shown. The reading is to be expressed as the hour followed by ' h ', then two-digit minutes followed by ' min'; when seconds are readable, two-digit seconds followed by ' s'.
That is 7 h 39 min
